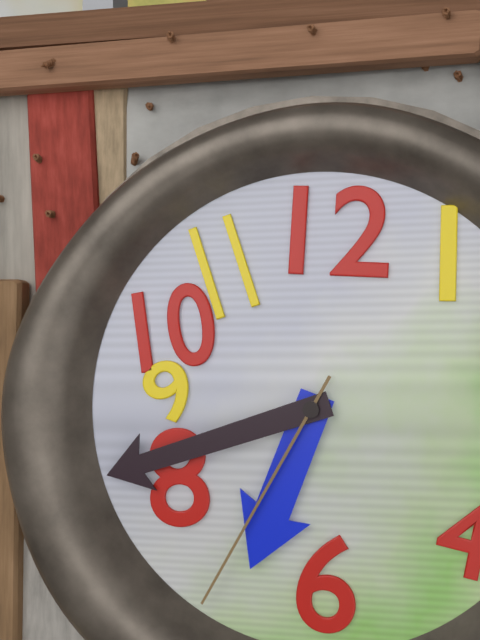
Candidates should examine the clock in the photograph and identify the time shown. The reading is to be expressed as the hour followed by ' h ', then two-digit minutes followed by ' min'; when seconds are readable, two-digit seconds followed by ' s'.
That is 6 h 42 min 35 s
